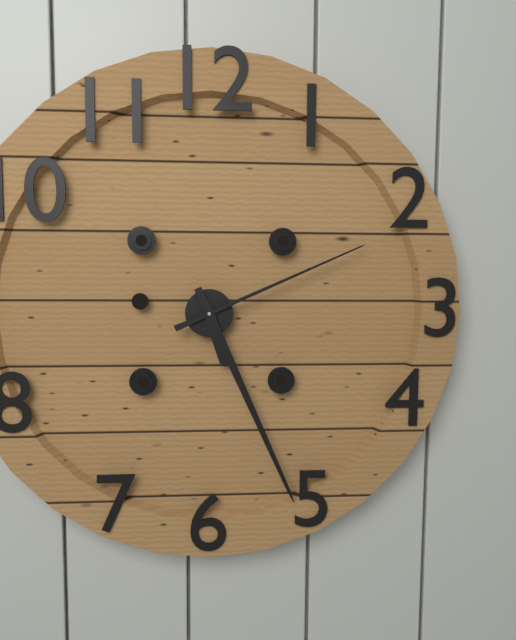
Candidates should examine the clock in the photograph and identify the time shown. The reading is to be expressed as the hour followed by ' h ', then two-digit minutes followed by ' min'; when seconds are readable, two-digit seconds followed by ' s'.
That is 5 h 26 min 11 s
